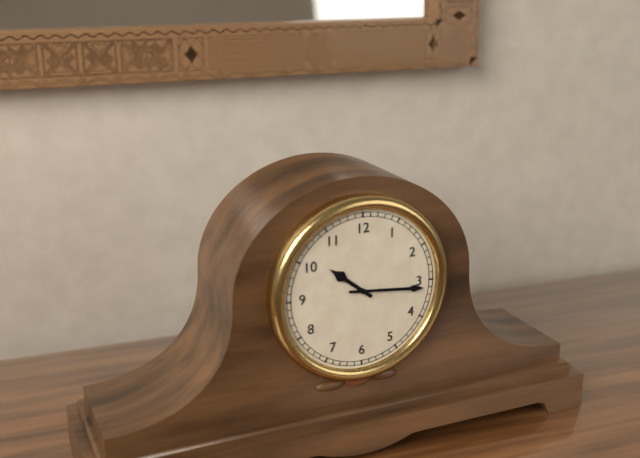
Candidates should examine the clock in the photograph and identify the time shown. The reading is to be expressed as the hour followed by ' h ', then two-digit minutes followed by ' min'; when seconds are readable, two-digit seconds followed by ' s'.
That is 10 h 16 min
